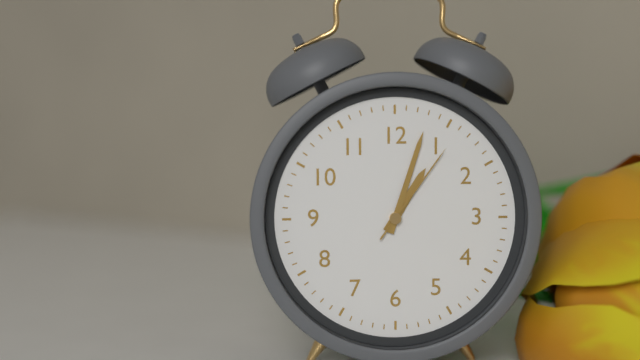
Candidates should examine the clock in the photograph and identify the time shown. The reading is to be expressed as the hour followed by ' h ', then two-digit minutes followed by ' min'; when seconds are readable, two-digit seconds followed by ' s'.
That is 1 h 03 min 06 s
